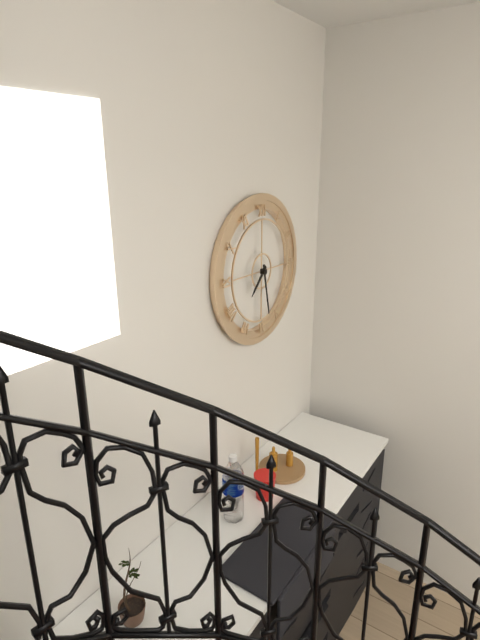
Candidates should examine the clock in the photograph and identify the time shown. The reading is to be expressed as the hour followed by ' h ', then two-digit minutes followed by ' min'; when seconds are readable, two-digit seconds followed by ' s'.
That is 7 h 28 min
